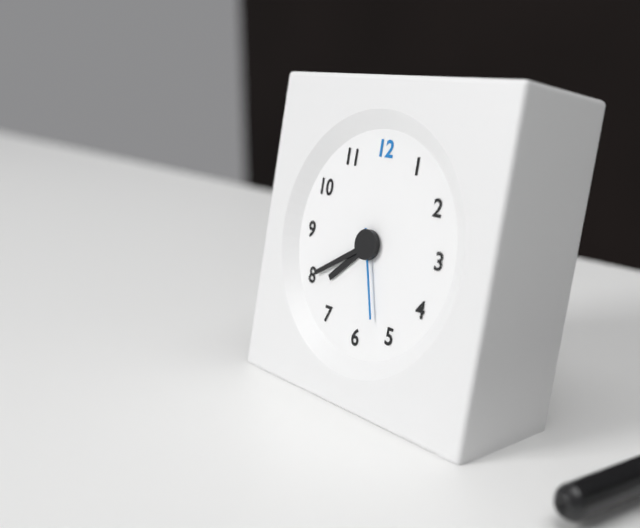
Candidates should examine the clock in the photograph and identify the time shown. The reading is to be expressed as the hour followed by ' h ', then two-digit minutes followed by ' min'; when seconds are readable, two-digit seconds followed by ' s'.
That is 7 h 40 min 27 s
